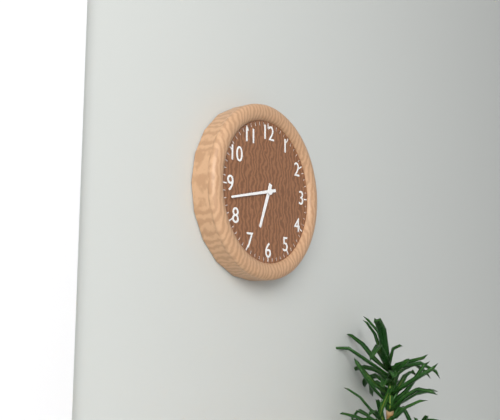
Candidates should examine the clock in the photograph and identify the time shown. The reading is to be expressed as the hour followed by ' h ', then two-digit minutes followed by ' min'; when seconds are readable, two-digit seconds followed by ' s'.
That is 6 h 43 min
